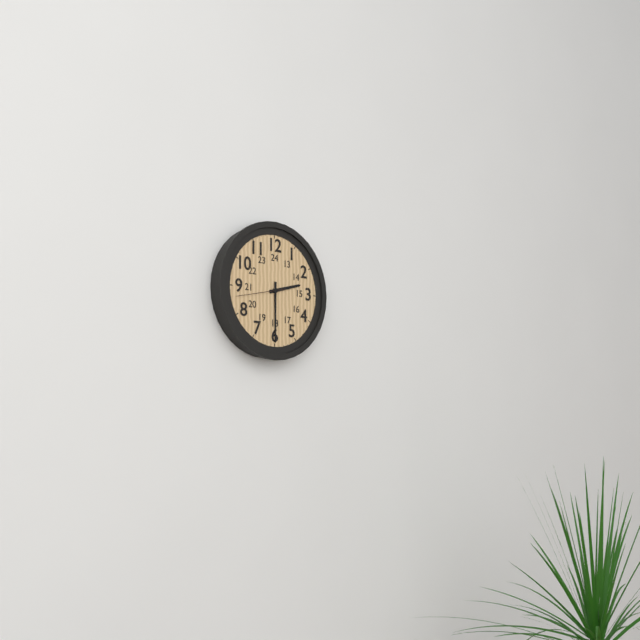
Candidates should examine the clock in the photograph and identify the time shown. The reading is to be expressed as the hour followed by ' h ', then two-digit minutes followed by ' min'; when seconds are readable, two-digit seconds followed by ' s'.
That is 2 h 30 min
